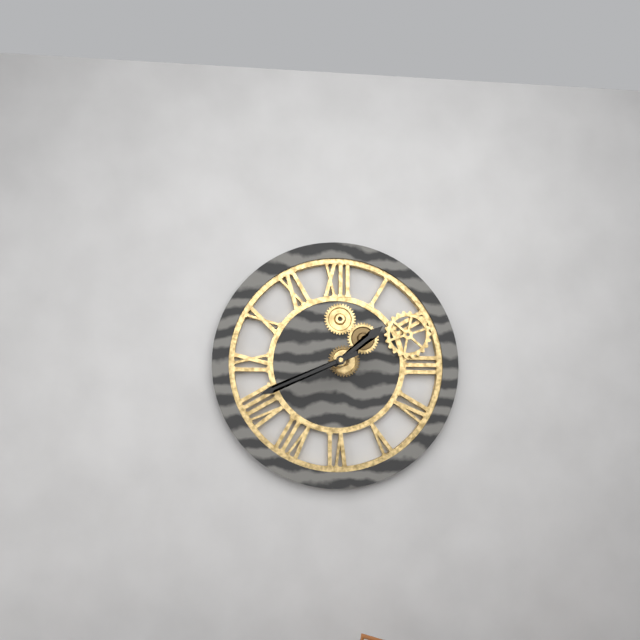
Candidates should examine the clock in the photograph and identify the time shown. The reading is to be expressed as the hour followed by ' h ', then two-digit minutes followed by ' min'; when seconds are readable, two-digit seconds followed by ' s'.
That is 1 h 41 min
